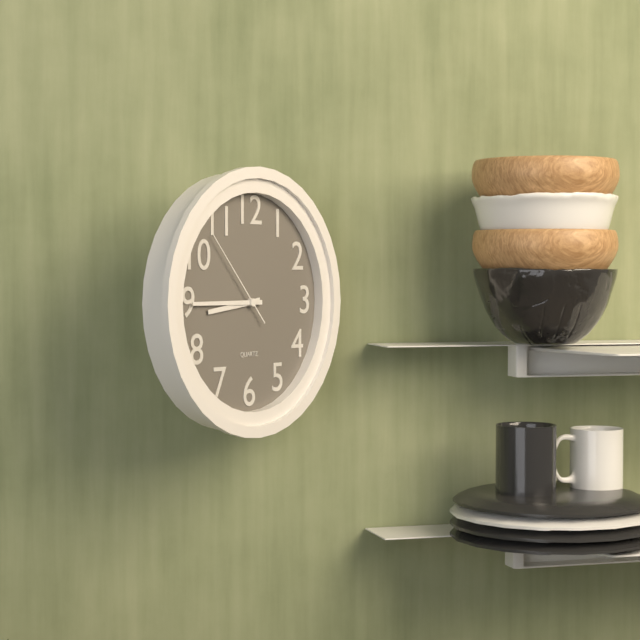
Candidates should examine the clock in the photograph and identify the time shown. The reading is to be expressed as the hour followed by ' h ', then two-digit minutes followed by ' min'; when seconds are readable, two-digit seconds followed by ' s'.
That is 8 h 45 min 53 s
